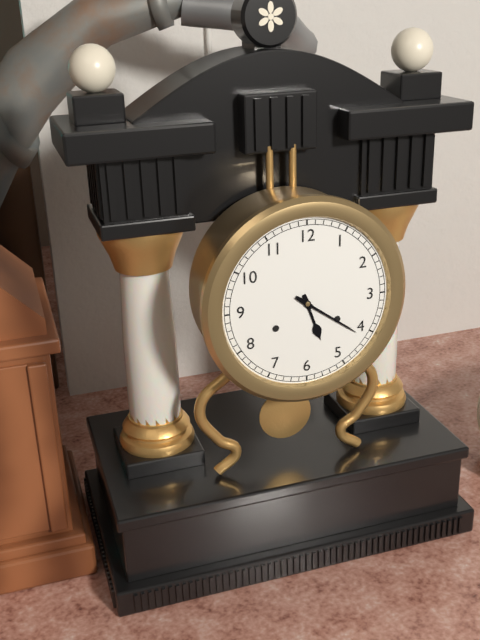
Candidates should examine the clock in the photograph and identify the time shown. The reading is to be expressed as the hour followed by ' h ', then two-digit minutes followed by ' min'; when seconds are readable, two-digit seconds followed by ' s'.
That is 5 h 21 min
